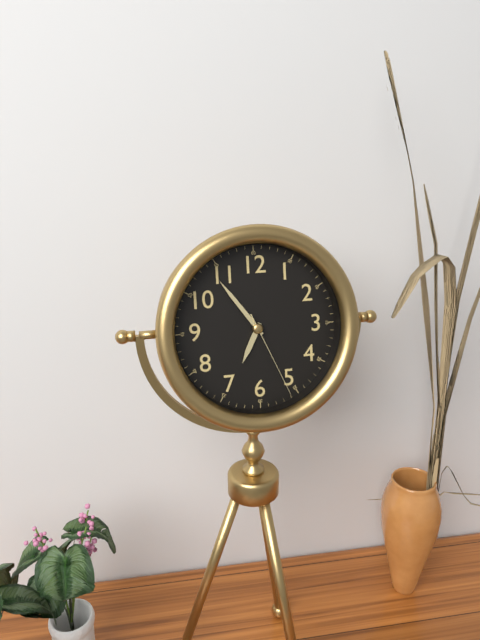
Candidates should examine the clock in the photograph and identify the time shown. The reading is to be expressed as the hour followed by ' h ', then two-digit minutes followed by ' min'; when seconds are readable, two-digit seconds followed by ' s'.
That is 6 h 54 min 26 s
